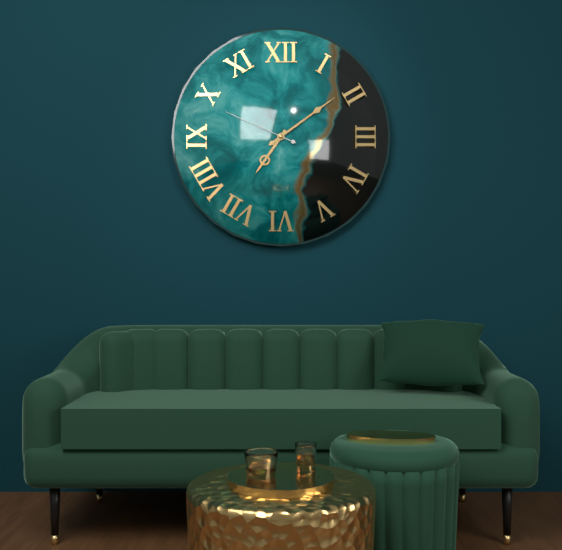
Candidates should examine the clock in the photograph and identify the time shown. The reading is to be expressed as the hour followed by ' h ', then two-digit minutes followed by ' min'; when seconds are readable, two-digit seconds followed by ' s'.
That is 7 h 09 min 49 s
